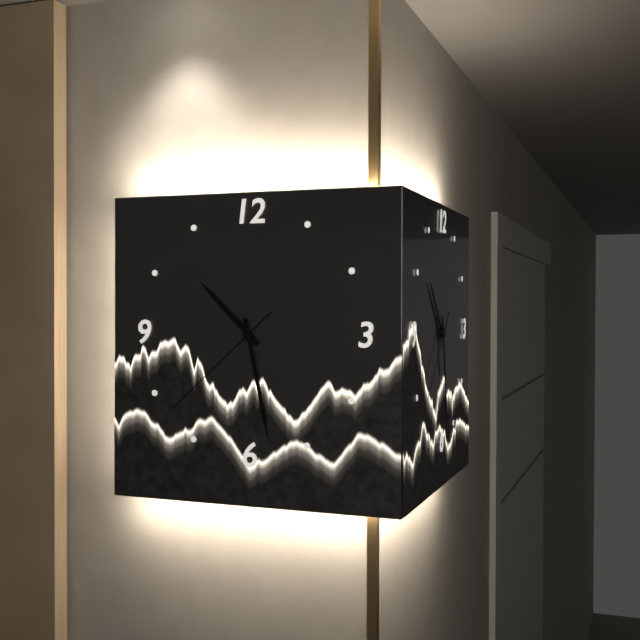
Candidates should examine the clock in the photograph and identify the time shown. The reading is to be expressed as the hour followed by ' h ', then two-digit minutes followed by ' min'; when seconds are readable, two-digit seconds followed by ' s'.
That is 10 h 28 min 38 s
